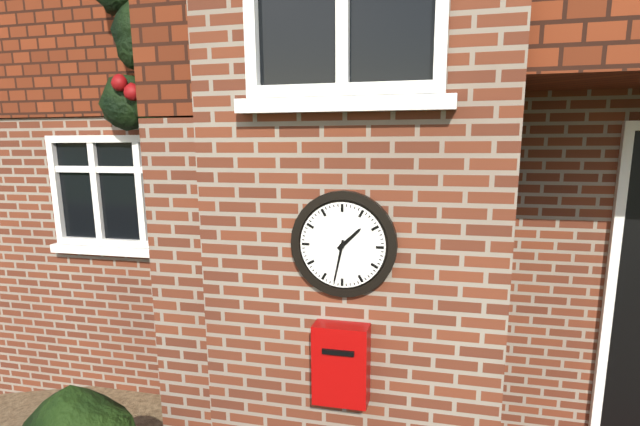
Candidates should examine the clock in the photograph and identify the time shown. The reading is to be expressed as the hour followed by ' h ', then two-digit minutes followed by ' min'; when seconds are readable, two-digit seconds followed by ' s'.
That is 1 h 32 min
